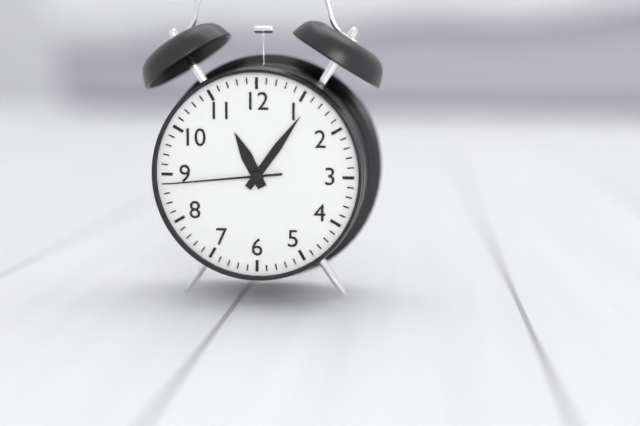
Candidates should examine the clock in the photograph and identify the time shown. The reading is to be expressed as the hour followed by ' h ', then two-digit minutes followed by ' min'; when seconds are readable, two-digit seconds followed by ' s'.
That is 11 h 06 min 44 s
